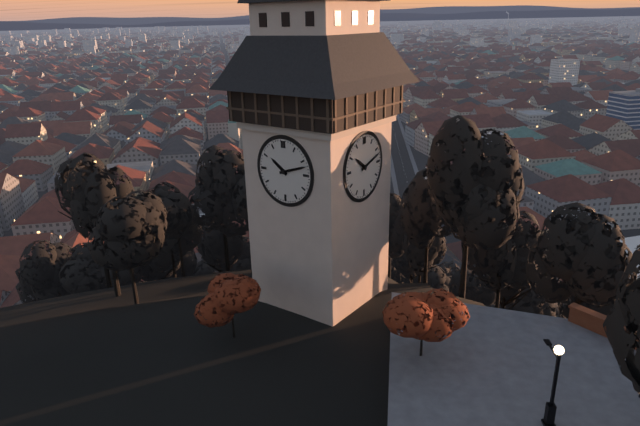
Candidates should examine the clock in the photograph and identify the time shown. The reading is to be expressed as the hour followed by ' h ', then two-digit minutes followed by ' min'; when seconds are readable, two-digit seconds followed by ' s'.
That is 10 h 12 min
